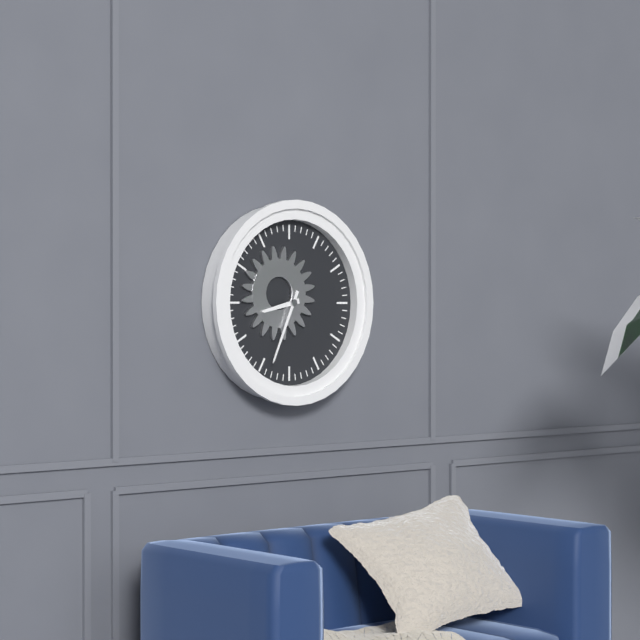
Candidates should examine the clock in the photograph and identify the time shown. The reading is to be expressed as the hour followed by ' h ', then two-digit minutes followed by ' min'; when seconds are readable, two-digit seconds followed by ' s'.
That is 8 h 34 min
